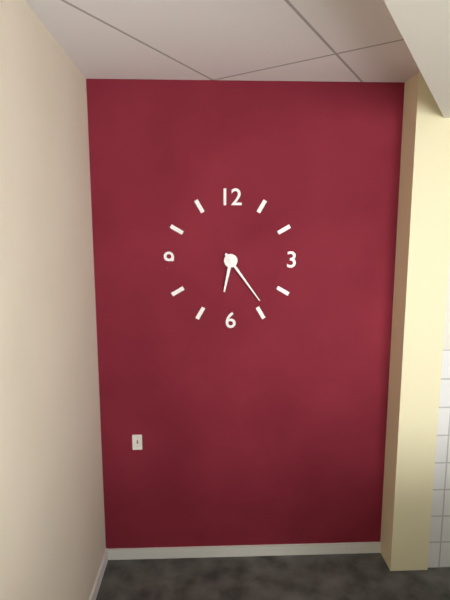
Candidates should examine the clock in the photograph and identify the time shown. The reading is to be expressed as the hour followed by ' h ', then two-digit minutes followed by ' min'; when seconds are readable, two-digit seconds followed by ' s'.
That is 6 h 24 min
